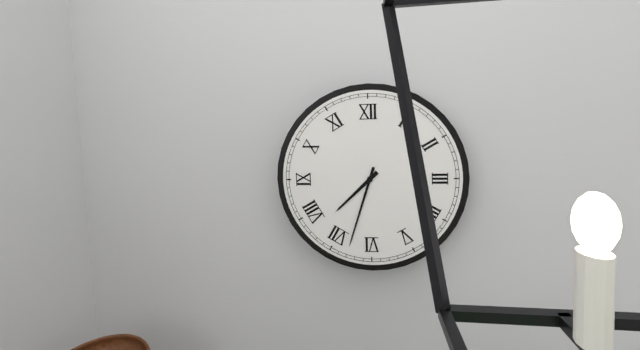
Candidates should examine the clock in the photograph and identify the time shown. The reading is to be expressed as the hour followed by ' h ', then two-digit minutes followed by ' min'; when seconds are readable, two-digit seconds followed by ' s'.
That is 7 h 33 min
